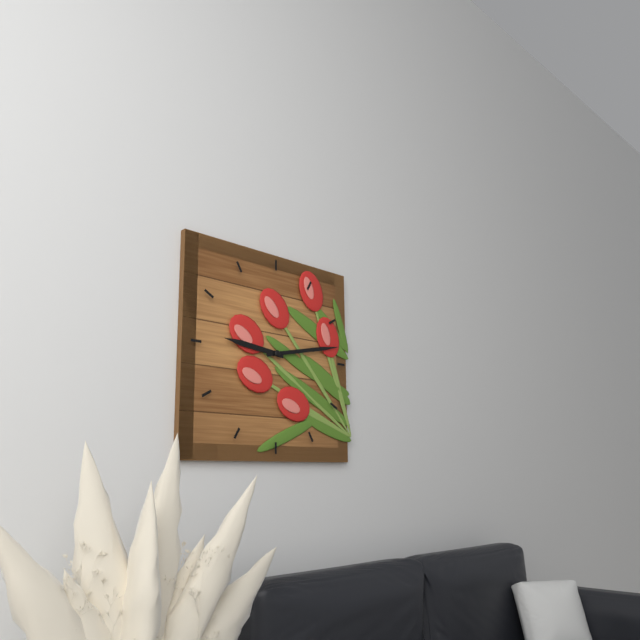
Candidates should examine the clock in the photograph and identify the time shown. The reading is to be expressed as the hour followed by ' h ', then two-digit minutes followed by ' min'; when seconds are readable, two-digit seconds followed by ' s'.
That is 9 h 13 min
